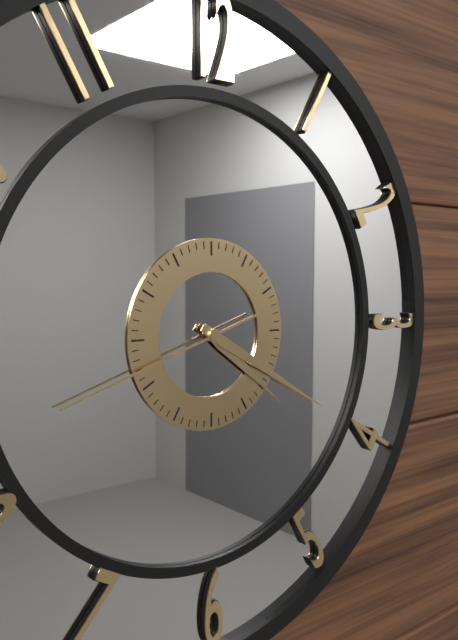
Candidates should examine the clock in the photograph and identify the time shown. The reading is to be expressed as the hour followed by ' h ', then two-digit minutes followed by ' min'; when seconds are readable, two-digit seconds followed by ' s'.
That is 4 h 20 min 42 s
